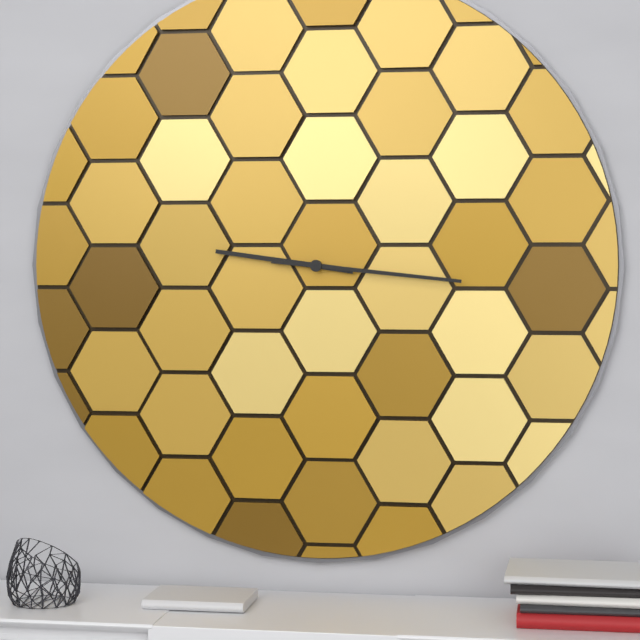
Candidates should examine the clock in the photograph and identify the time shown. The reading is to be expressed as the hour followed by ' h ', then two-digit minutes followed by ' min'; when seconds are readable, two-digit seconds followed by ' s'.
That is 9 h 16 min
